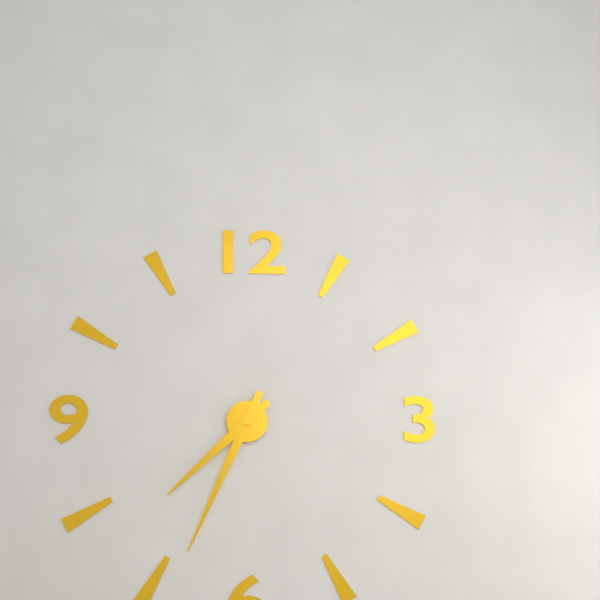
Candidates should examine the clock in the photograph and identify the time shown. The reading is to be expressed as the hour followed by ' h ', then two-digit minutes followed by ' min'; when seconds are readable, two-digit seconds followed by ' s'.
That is 7 h 34 min
